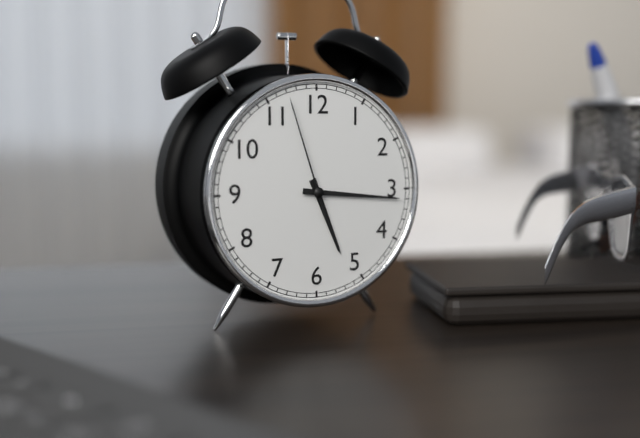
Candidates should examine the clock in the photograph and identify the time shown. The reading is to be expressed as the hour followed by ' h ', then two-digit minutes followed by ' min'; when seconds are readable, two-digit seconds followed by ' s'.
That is 5 h 16 min 57 s
